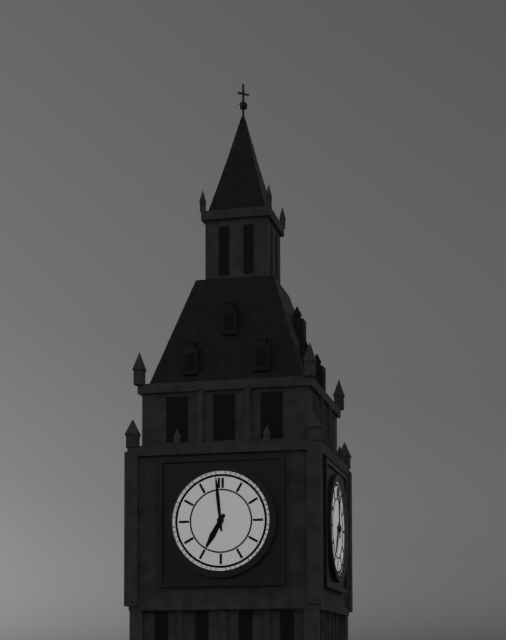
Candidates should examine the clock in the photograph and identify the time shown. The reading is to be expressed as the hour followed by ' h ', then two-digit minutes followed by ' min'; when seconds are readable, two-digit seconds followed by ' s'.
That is 6 h 59 min
